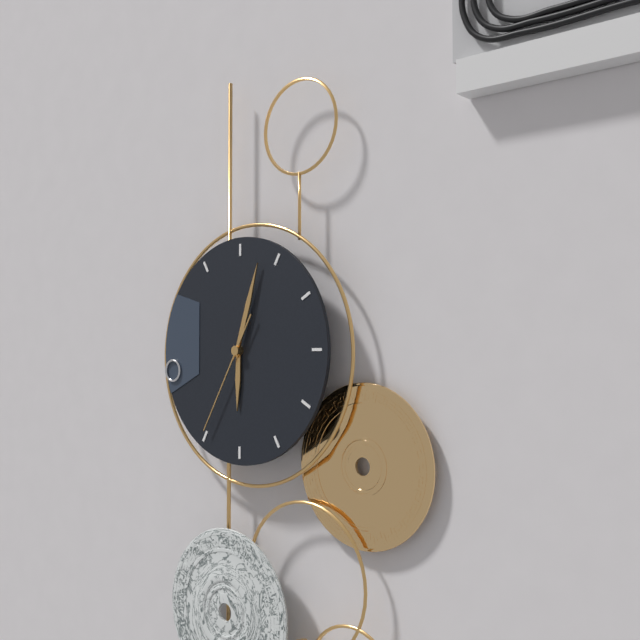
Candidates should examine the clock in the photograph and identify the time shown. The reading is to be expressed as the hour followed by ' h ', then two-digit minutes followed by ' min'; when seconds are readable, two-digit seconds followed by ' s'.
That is 6 h 03 min 35 s
